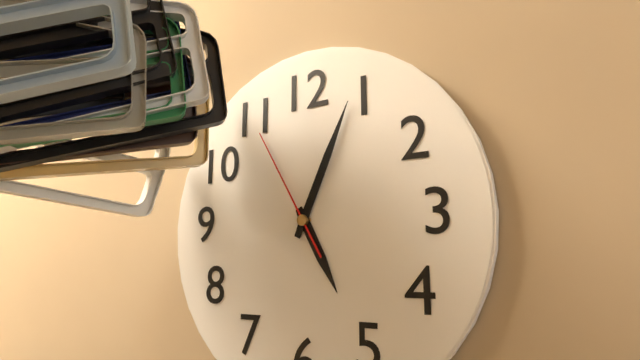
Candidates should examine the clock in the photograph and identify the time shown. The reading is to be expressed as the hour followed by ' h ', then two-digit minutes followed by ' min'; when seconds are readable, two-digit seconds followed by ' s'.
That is 5 h 04 min 55 s
